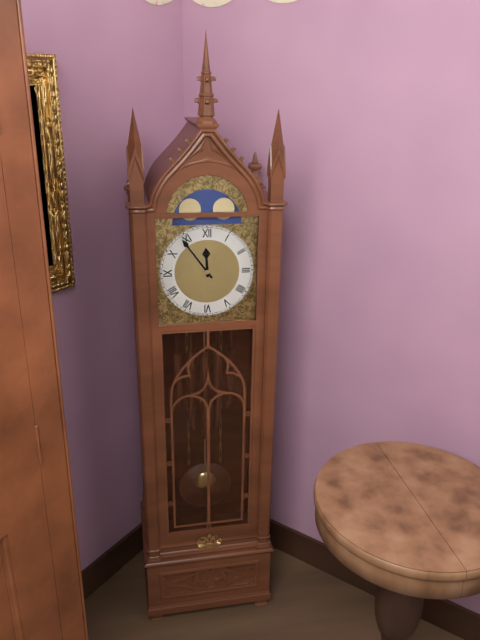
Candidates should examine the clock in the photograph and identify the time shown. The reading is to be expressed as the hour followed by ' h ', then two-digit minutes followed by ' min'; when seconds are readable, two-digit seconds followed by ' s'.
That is 11 h 54 min
